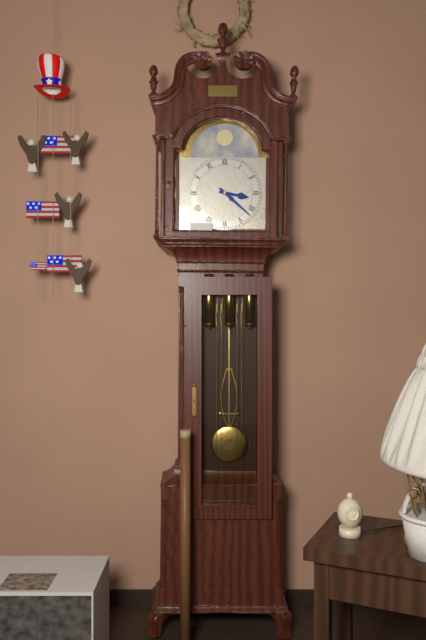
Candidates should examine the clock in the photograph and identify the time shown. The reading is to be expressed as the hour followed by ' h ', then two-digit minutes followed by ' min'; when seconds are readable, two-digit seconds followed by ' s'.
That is 3 h 22 min
